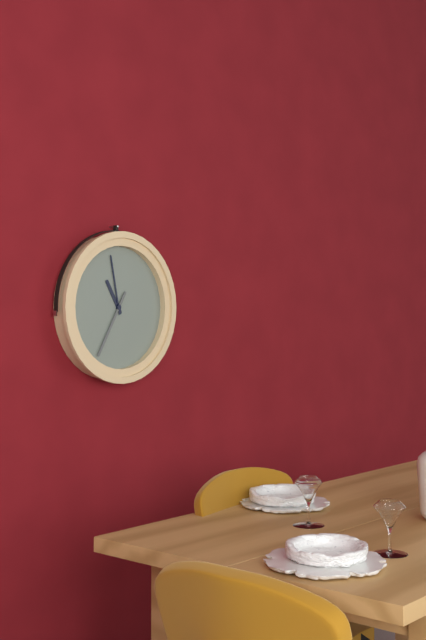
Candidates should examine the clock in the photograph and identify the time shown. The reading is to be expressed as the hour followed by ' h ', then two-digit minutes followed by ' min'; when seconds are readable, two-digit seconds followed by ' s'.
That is 10 h 58 min 35 s
